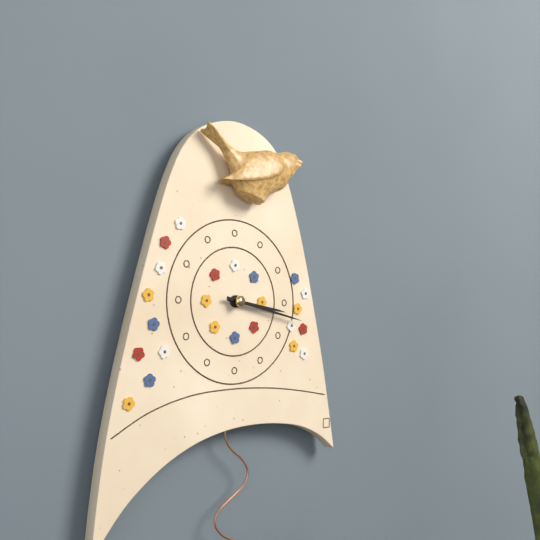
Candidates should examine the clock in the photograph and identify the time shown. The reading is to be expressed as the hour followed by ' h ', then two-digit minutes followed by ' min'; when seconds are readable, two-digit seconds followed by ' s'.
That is 3 h 17 min
